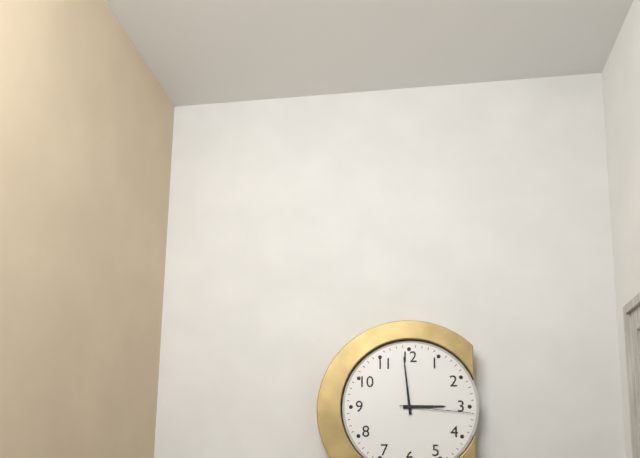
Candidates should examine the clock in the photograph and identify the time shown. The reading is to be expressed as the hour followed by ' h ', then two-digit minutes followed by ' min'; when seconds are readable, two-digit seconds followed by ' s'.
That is 2 h 59 min 16 s
